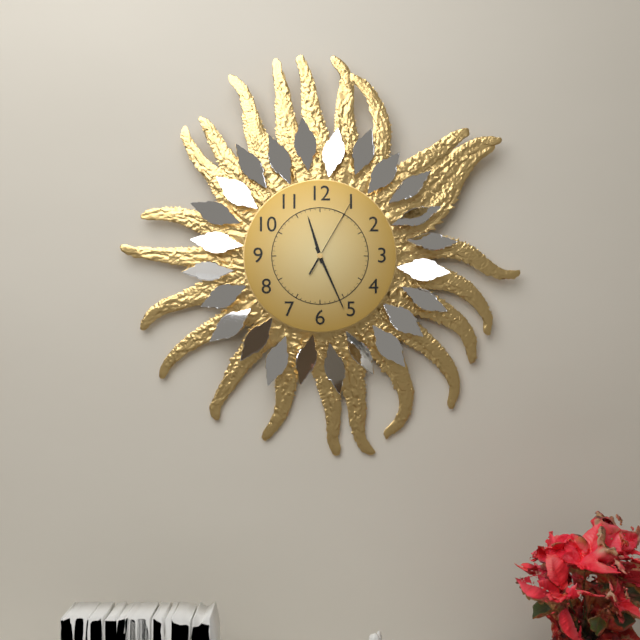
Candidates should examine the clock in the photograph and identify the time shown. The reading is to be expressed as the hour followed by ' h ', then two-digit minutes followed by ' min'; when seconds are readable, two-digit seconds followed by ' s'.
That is 11 h 26 min 05 s
